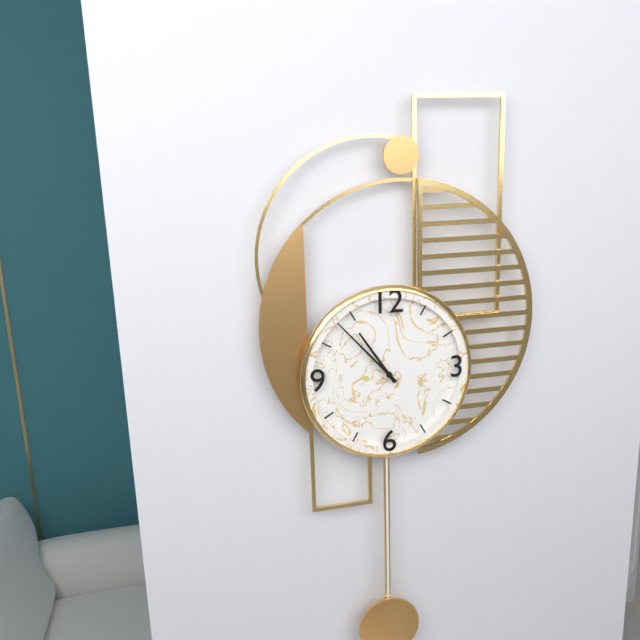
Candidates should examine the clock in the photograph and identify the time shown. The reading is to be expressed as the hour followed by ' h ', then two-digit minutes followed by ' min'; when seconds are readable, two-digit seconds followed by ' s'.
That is 10 h 53 min
